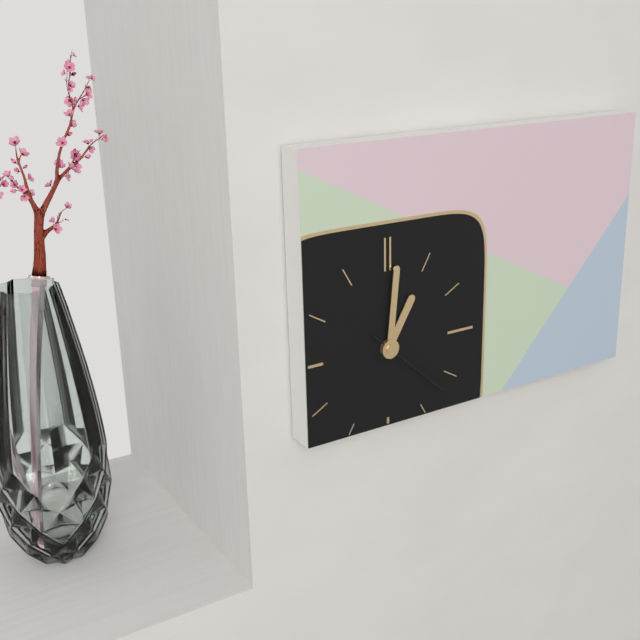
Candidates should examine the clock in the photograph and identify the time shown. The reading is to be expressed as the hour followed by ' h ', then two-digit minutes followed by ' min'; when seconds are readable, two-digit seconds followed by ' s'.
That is 1 h 01 min 22 s
